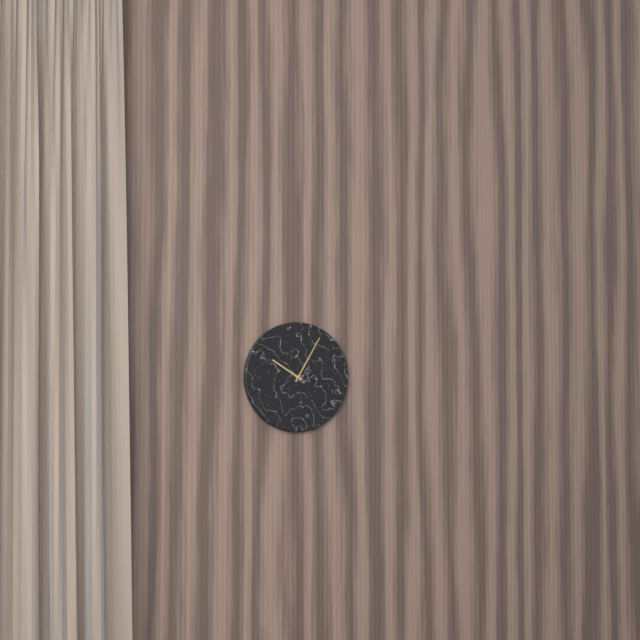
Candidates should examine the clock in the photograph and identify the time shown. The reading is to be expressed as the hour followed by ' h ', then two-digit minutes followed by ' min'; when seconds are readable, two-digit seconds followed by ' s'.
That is 10 h 05 min
